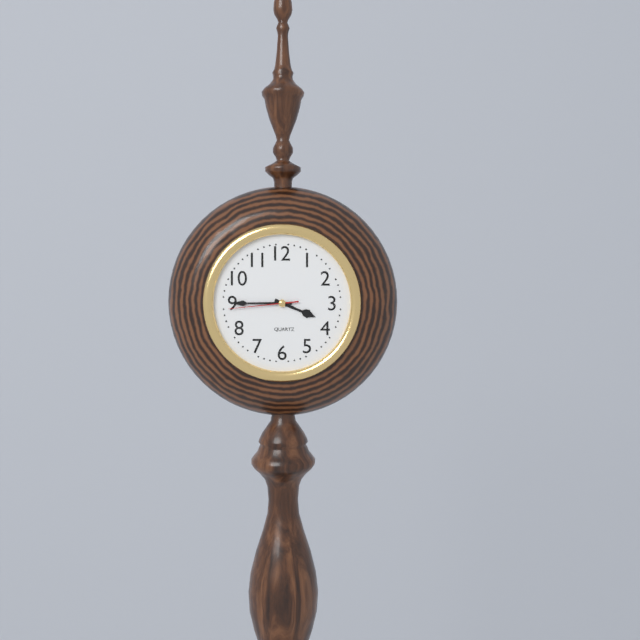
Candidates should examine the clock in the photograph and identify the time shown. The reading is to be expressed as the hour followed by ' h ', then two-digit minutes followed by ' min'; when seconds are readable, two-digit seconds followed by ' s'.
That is 3 h 45 min 44 s
